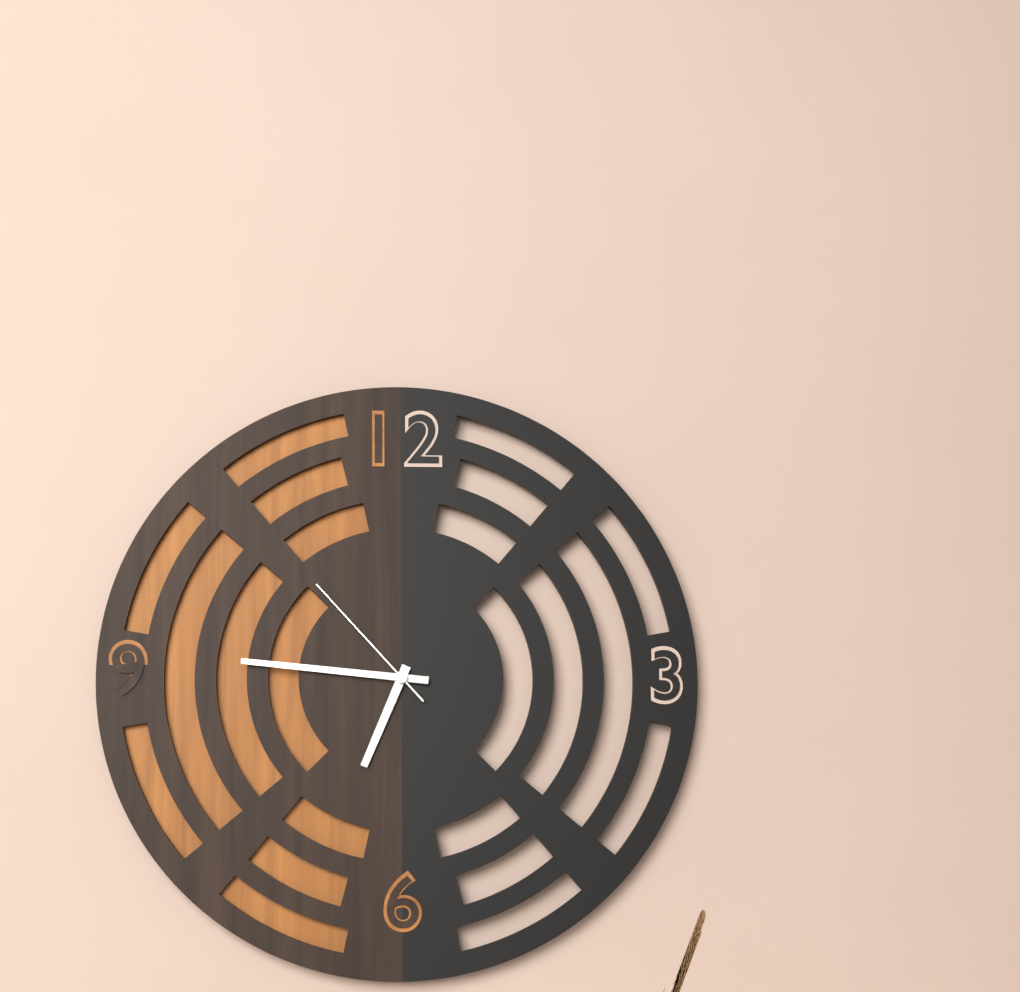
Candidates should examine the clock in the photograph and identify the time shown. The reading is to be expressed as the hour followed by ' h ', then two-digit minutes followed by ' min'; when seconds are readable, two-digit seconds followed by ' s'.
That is 6 h 46 min 53 s
